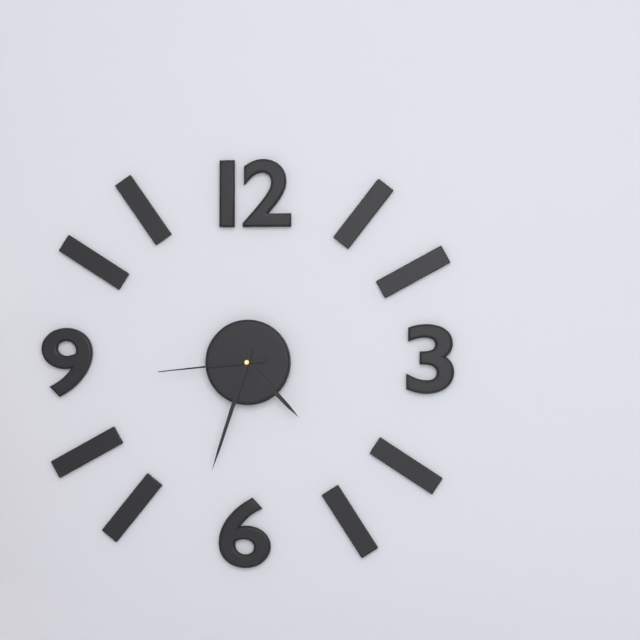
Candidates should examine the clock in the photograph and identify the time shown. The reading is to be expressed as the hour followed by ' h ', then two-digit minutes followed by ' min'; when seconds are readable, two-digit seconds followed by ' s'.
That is 4 h 33 min 44 s
